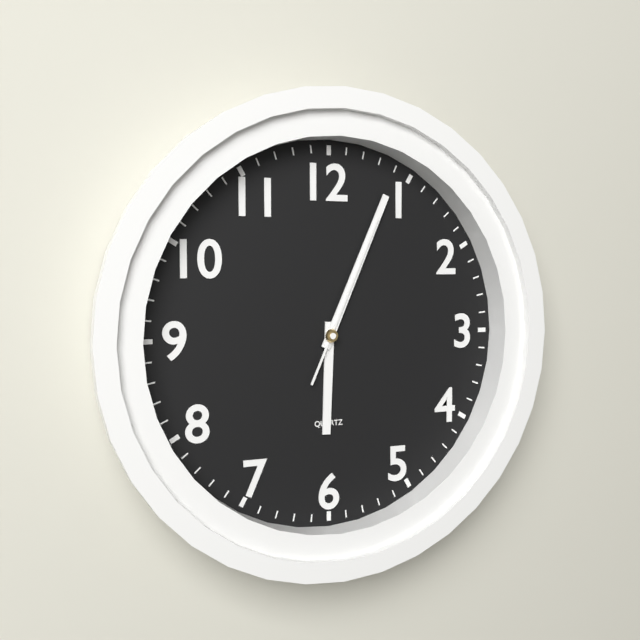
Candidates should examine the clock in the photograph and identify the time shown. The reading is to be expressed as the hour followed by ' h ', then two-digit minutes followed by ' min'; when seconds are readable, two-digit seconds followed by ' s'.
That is 6 h 04 min 04 s
